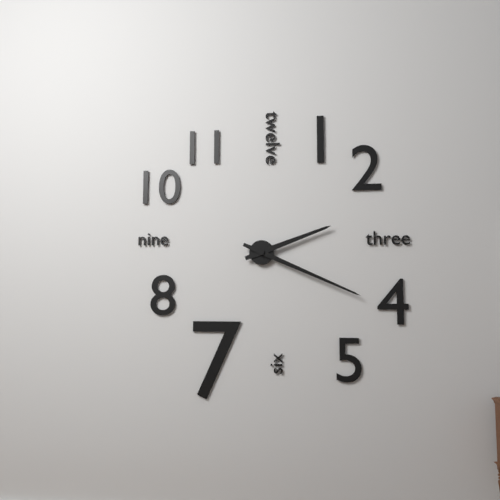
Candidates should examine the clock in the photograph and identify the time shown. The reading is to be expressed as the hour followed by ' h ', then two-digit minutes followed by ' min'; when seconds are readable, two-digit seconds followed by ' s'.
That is 2 h 19 min
